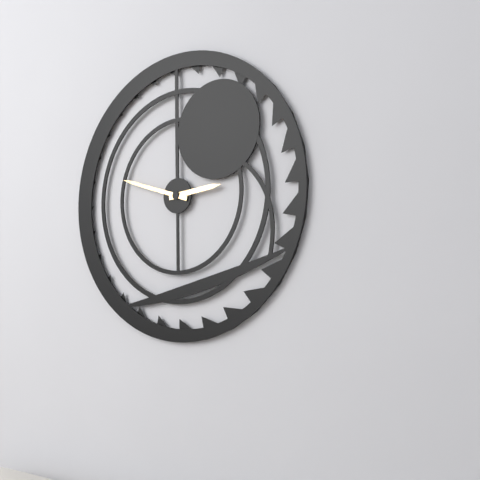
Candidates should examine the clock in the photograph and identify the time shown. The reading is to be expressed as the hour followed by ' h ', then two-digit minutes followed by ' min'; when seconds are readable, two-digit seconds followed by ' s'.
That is 2 h 48 min
